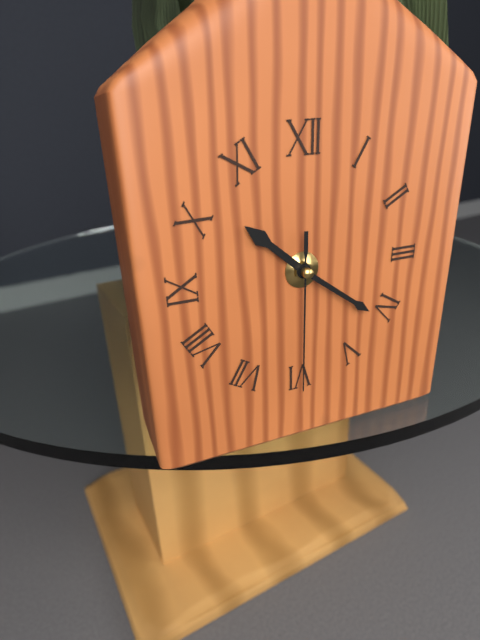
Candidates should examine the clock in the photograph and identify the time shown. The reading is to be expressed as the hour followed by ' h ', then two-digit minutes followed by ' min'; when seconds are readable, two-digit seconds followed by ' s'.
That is 10 h 21 min 30 s
